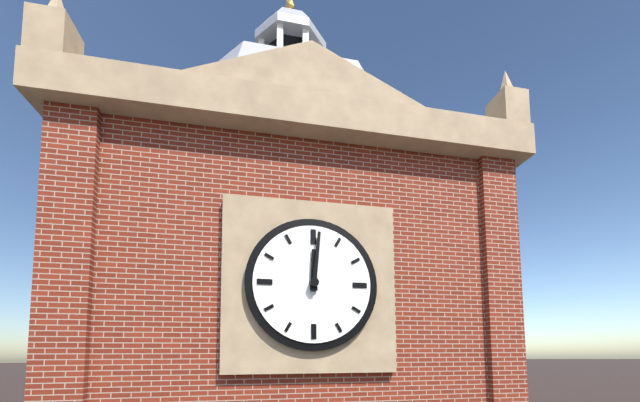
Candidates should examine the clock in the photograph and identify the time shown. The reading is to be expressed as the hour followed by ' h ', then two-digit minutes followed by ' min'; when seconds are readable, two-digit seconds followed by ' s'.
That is 12 h 01 min
